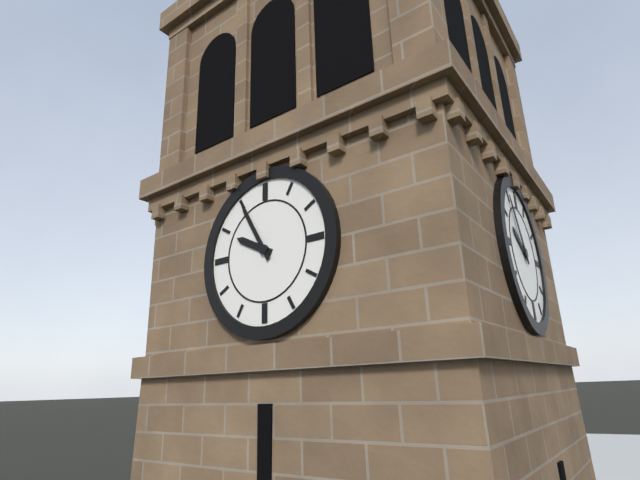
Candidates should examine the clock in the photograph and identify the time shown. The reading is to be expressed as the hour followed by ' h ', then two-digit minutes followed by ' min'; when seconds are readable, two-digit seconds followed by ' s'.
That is 9 h 55 min
